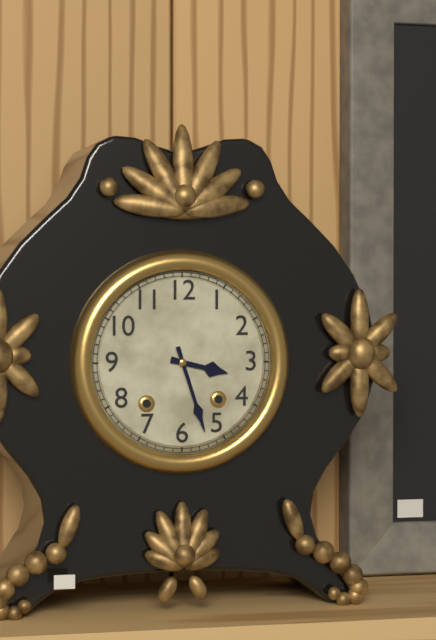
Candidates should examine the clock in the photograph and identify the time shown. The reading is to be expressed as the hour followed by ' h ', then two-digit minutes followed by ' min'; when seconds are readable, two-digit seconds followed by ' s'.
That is 3 h 27 min
